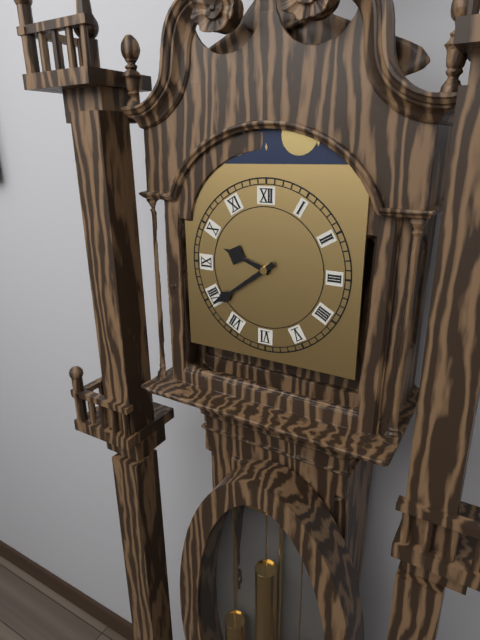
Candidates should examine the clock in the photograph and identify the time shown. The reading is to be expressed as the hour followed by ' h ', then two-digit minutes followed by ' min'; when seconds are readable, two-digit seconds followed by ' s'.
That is 9 h 39 min
